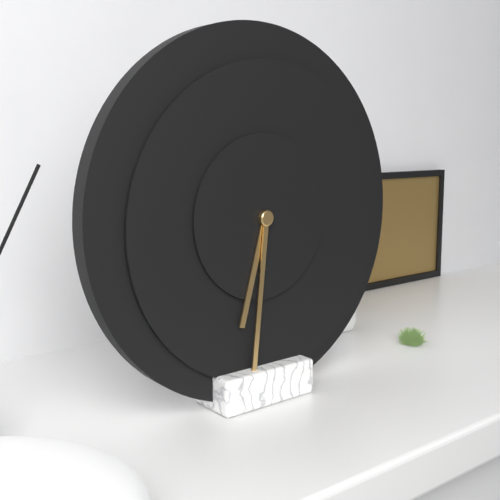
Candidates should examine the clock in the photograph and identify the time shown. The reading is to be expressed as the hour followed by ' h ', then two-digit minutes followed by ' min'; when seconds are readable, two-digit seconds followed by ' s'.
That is 6 h 31 min
